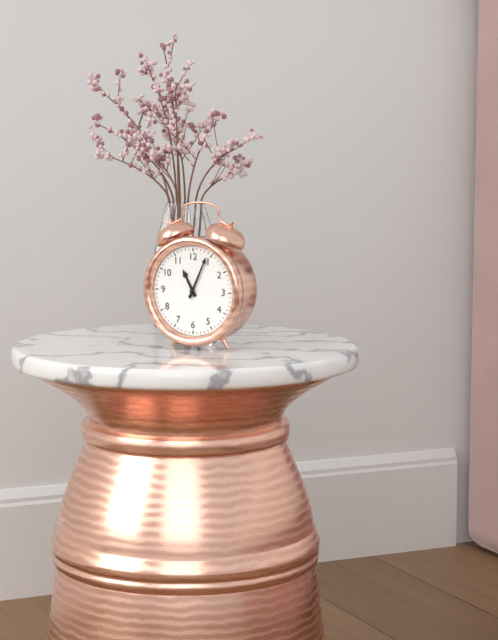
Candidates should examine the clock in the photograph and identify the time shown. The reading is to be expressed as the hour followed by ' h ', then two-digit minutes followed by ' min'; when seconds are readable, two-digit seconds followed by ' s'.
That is 11 h 04 min
